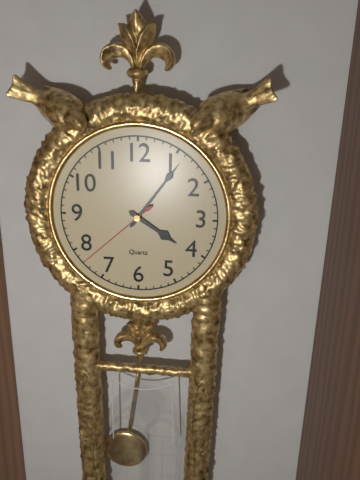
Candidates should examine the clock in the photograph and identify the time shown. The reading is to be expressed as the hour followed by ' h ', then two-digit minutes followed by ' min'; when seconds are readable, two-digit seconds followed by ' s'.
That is 4 h 06 min 38 s
